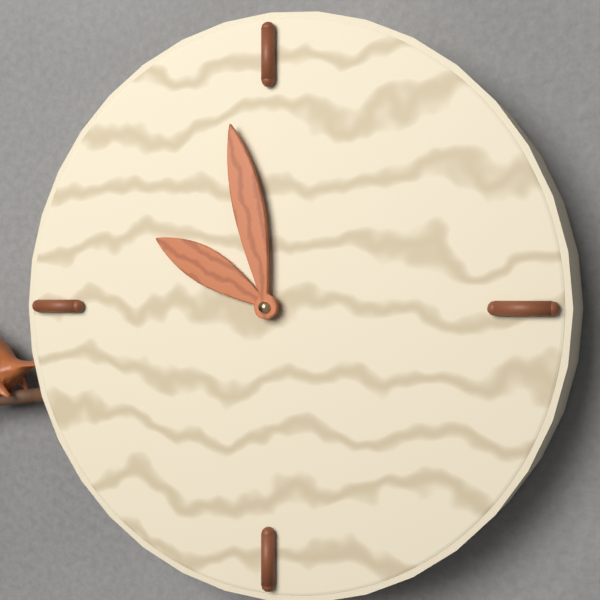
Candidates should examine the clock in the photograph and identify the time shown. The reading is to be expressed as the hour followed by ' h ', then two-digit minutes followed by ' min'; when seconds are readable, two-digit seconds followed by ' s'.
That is 9 h 58 min
